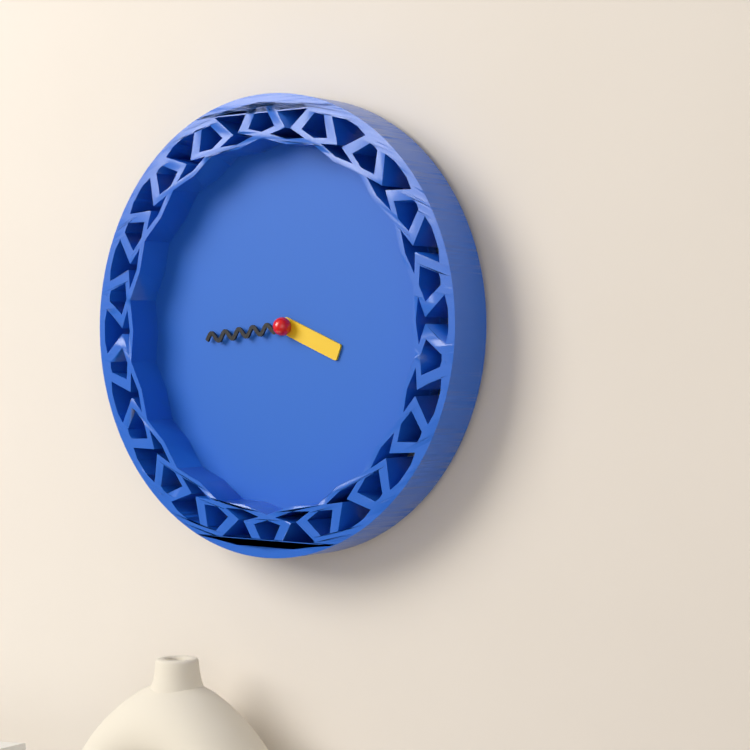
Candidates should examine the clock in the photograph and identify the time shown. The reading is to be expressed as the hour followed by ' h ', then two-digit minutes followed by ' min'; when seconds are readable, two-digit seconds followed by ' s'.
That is 3 h 44 min
